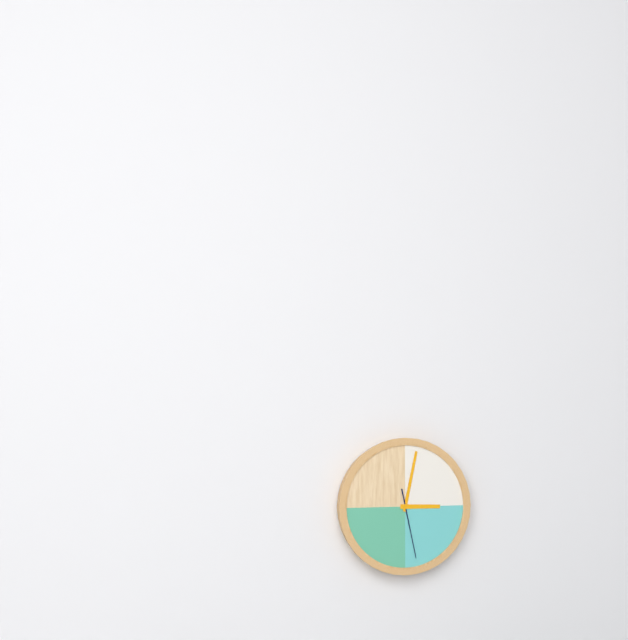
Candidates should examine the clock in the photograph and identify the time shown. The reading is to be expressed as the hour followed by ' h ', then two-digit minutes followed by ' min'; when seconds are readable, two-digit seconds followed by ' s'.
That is 3 h 02 min 28 s
